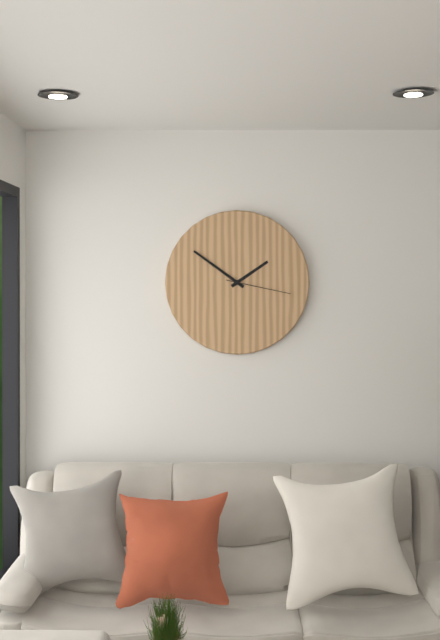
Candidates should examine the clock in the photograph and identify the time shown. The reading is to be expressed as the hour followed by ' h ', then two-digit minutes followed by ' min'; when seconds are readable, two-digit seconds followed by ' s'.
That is 1 h 51 min 17 s
